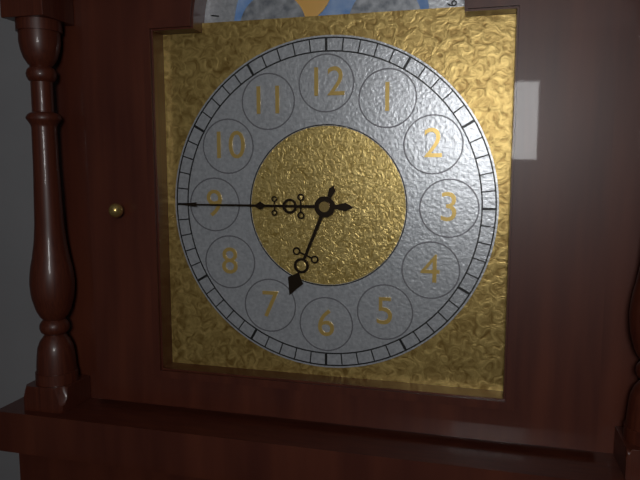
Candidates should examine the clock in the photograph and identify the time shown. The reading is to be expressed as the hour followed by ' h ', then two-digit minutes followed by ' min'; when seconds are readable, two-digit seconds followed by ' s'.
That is 6 h 45 min
